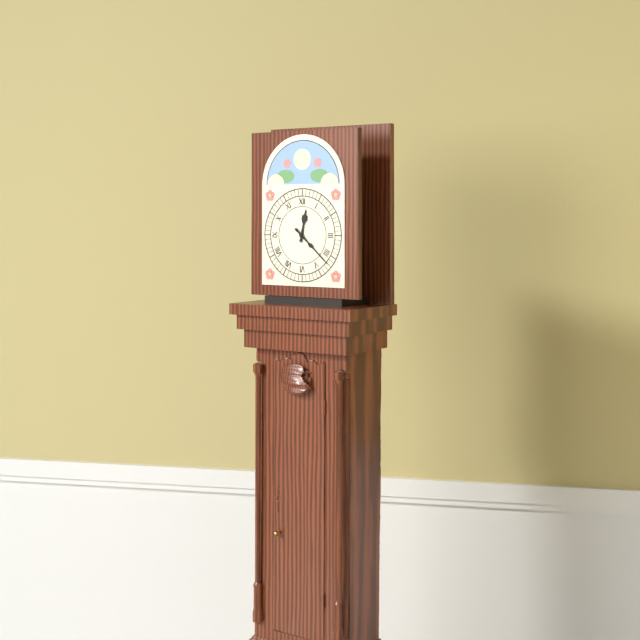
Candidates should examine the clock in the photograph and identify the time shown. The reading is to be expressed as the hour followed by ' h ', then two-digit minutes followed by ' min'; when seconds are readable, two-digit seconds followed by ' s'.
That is 12 h 22 min
